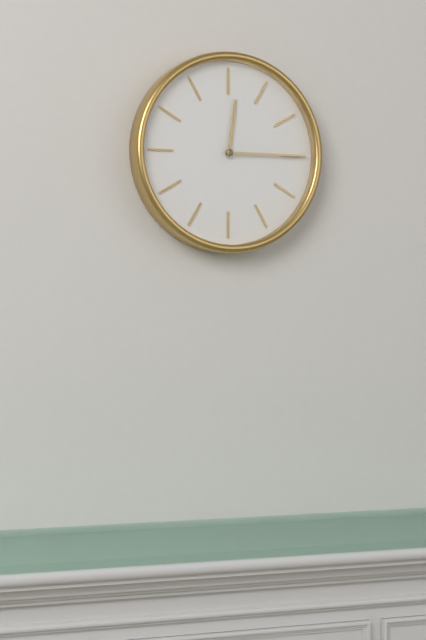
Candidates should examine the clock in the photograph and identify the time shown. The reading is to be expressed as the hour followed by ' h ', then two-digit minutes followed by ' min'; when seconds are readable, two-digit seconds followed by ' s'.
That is 12 h 15 min
